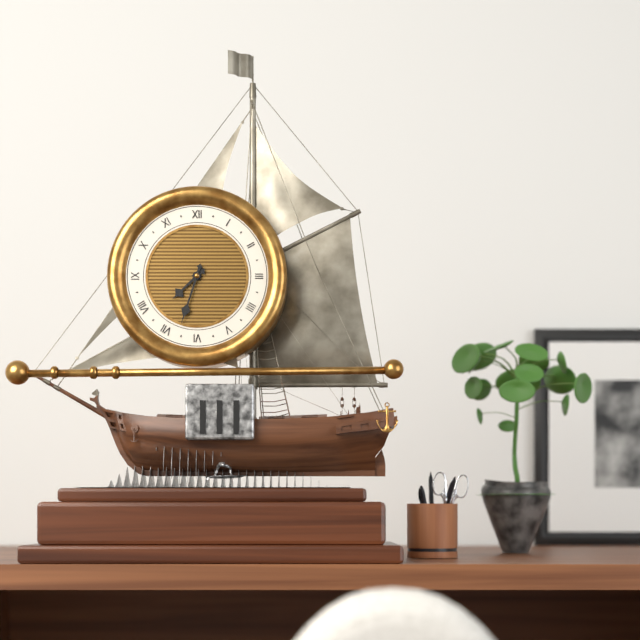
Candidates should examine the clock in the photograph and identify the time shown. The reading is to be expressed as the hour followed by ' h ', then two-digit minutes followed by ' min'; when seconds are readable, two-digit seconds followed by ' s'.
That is 7 h 33 min
